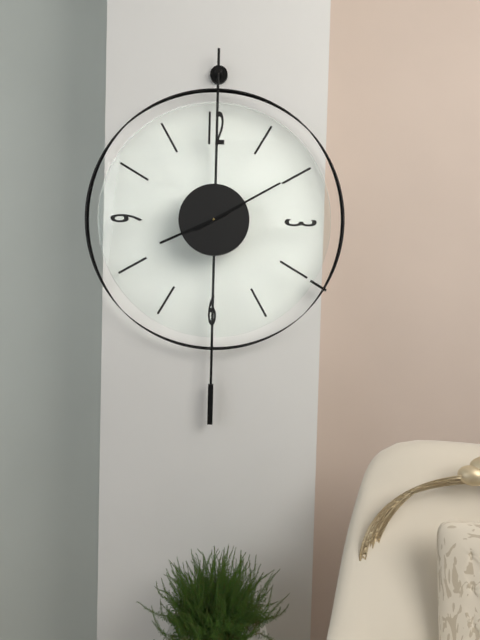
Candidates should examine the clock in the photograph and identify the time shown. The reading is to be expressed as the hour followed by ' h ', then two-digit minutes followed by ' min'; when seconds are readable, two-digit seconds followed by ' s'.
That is 8 h 10 min
